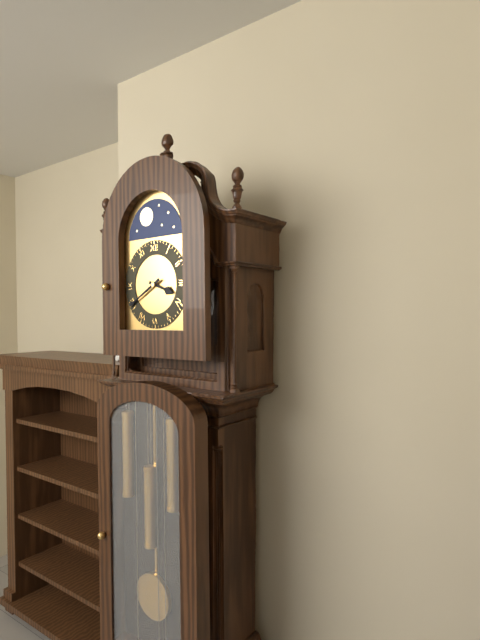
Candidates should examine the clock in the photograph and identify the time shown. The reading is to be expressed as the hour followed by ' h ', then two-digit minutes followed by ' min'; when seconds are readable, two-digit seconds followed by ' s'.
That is 3 h 40 min
